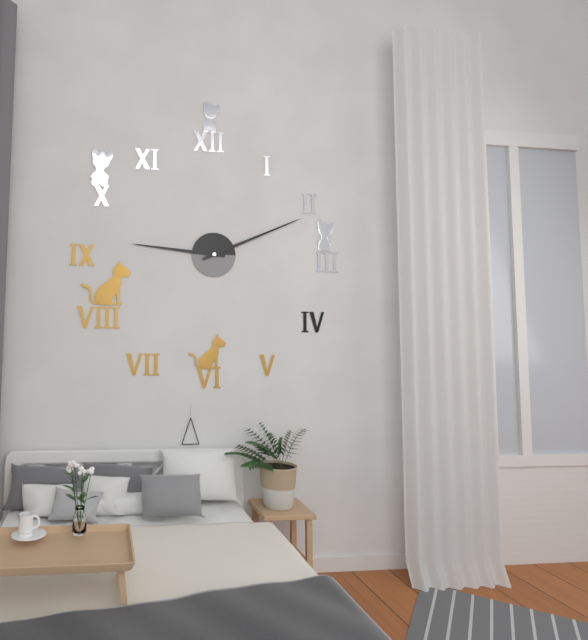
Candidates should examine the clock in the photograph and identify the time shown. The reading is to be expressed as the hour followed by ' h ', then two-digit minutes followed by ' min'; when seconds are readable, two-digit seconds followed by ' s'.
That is 9 h 11 min
